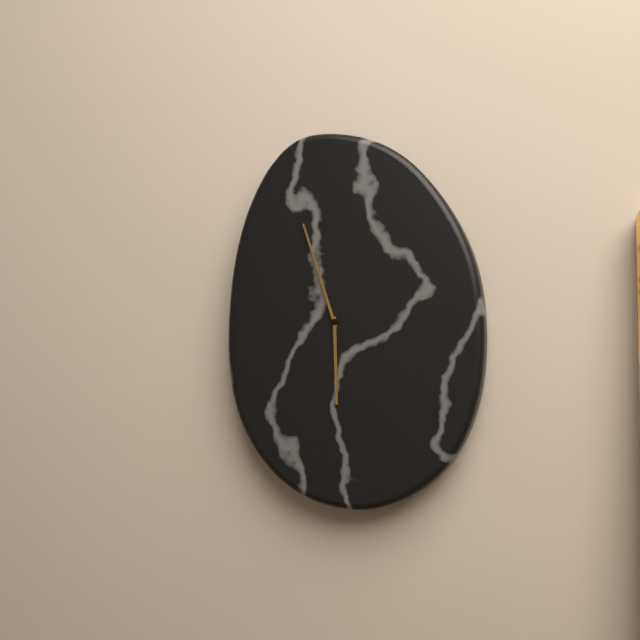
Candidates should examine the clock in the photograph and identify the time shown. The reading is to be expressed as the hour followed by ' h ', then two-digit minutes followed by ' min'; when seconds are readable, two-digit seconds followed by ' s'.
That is 5 h 57 min
